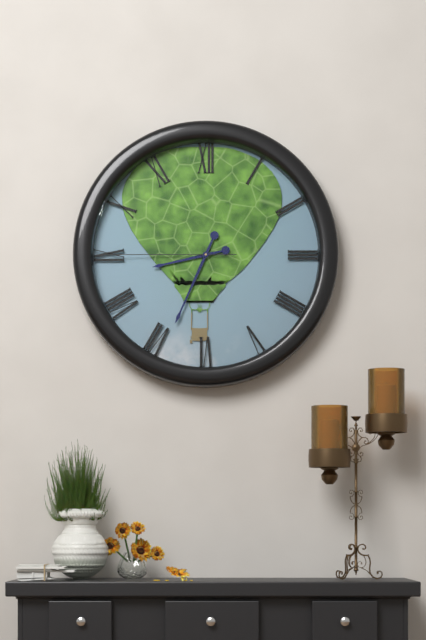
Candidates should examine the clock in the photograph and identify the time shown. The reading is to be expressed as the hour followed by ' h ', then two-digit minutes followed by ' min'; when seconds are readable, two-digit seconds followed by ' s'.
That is 8 h 34 min 45 s
